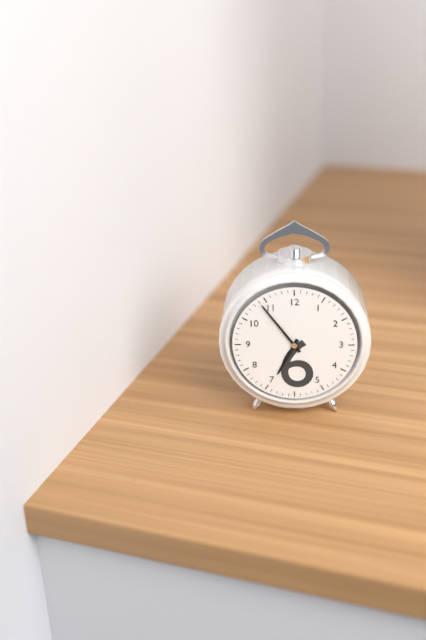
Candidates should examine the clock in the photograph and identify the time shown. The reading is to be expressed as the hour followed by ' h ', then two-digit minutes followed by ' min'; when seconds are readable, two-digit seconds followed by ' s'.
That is 6 h 54 min
